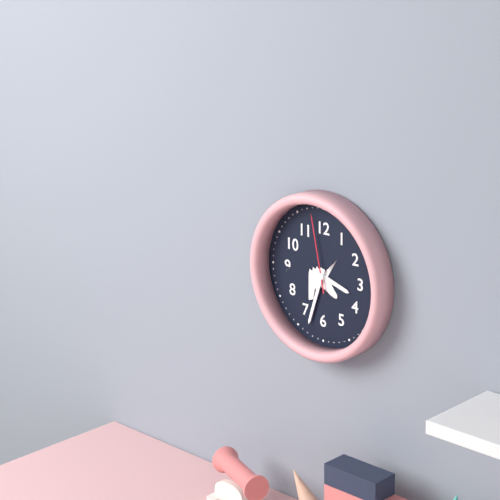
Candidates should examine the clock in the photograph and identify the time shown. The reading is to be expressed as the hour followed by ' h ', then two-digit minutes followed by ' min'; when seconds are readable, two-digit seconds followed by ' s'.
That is 3 h 33 min 58 s
